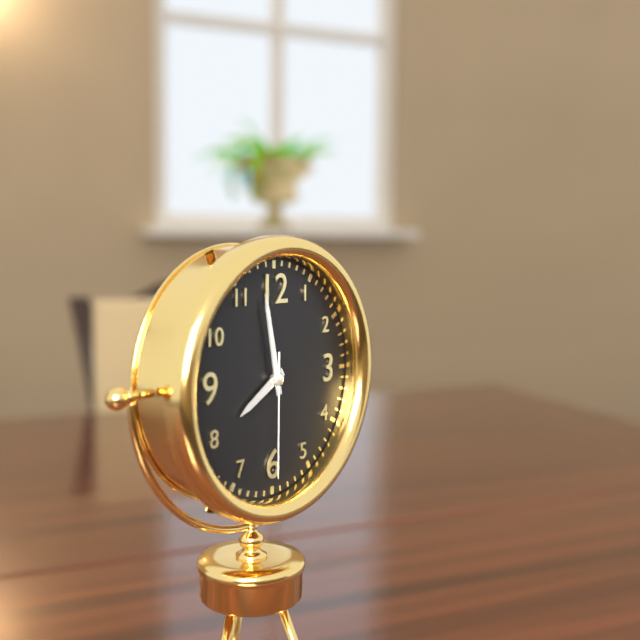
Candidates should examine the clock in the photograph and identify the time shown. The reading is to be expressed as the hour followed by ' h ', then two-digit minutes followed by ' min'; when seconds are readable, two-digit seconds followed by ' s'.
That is 7 h 58 min 30 s
